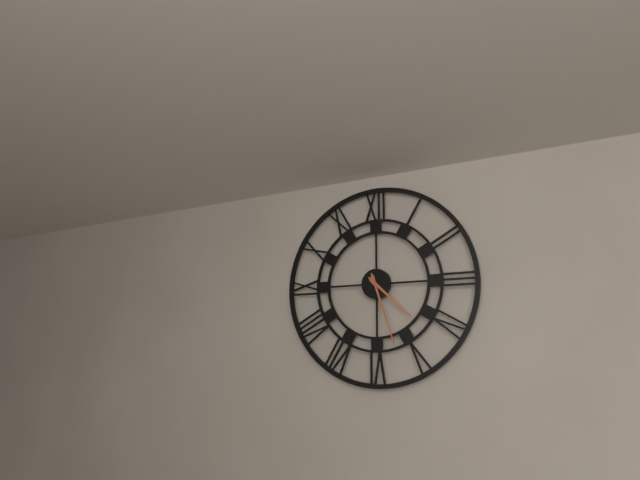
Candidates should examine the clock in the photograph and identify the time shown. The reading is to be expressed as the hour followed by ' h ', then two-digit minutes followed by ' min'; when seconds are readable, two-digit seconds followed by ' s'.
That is 4 h 27 min
